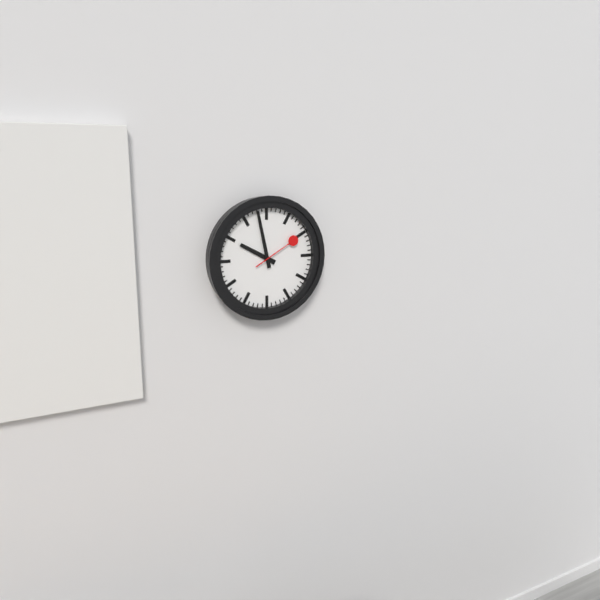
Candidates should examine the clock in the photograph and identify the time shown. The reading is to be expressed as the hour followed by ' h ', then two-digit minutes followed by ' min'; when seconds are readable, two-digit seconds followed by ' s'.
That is 9 h 58 min
